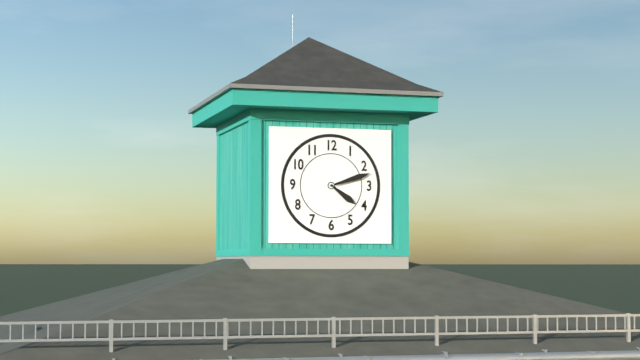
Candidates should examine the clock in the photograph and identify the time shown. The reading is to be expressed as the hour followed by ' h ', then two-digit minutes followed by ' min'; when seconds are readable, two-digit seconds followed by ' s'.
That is 4 h 12 min
